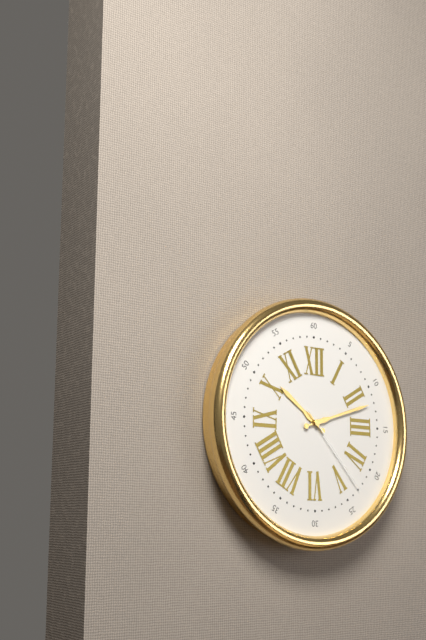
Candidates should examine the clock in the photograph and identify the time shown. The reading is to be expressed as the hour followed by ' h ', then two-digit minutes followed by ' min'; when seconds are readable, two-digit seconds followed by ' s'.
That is 10 h 12 min 23 s
